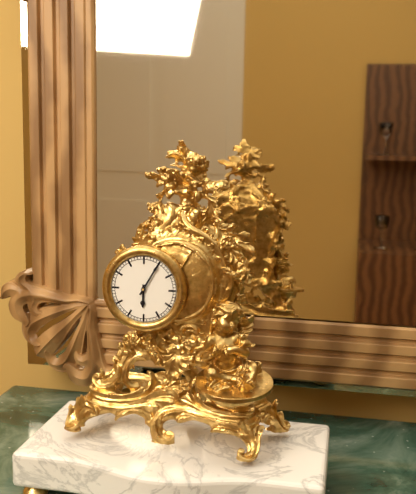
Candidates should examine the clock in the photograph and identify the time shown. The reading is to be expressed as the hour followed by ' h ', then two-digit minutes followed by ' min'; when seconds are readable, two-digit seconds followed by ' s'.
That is 6 h 05 min
